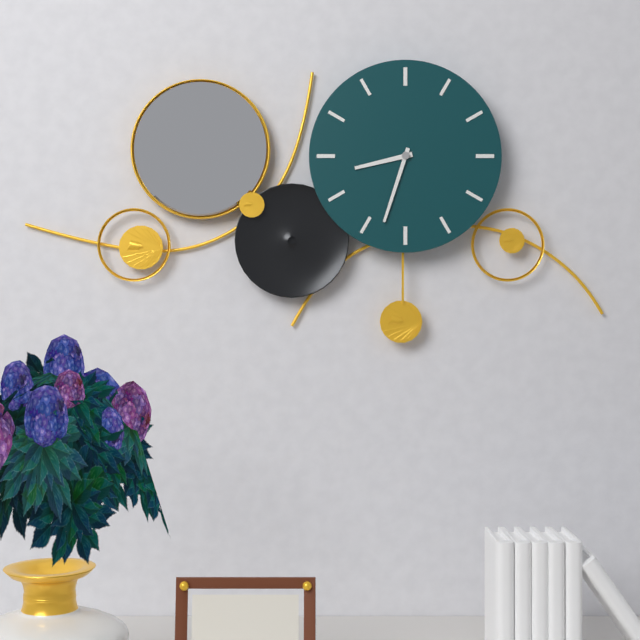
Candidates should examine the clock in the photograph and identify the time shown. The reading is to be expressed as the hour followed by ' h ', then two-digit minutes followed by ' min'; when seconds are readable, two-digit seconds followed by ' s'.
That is 8 h 33 min
